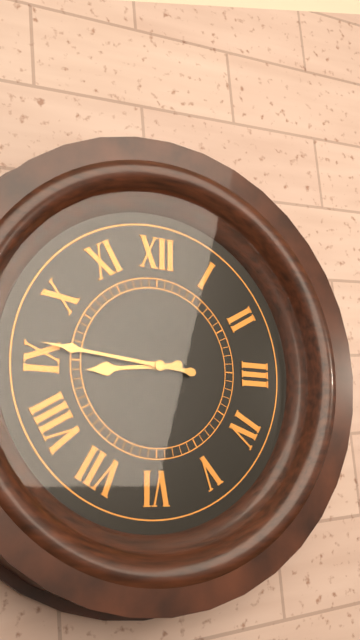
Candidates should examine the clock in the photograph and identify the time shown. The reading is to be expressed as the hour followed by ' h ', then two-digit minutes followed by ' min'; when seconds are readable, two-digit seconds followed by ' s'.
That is 8 h 46 min
